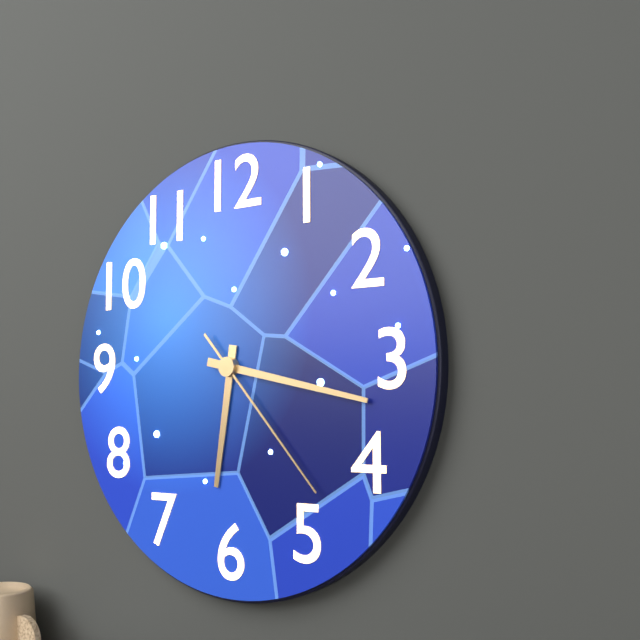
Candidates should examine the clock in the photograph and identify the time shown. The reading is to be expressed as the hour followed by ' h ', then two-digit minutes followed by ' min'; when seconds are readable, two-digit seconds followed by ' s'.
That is 6 h 17 min 23 s
